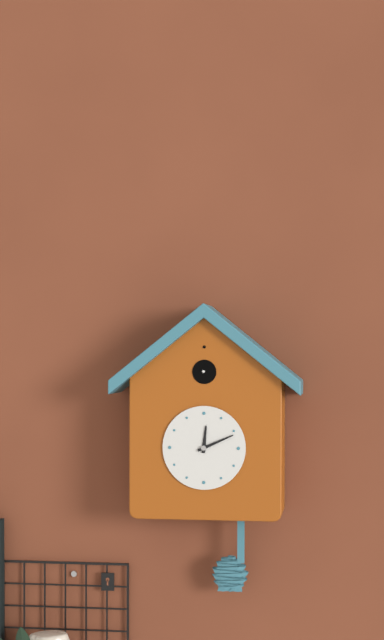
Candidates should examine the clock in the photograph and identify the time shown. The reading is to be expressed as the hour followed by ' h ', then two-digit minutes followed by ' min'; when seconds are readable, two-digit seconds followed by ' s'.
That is 12 h 11 min
